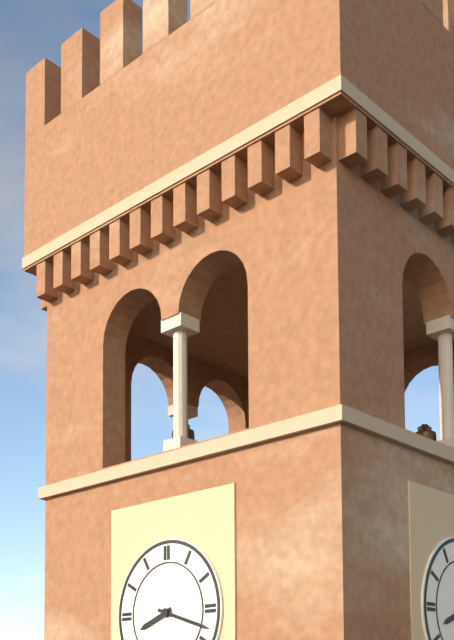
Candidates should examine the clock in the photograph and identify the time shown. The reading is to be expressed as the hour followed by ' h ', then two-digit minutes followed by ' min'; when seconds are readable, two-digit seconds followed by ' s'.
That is 8 h 18 min
